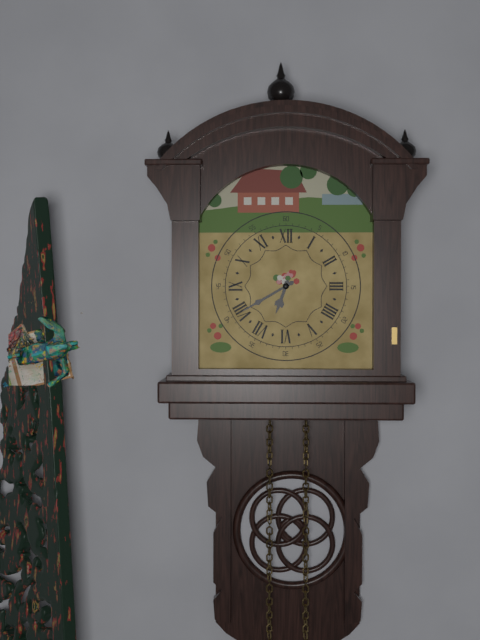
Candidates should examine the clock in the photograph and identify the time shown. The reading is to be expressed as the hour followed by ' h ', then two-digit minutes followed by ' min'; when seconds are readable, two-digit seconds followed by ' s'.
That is 6 h 40 min
